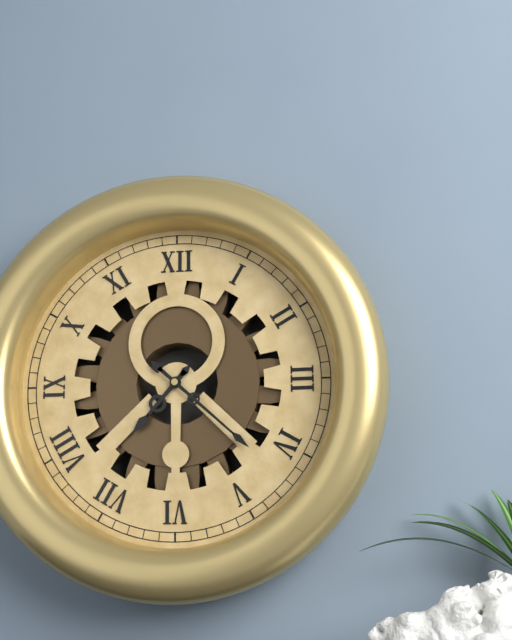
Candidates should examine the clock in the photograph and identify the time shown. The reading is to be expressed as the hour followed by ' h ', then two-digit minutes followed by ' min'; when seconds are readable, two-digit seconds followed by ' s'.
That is 7 h 22 min
